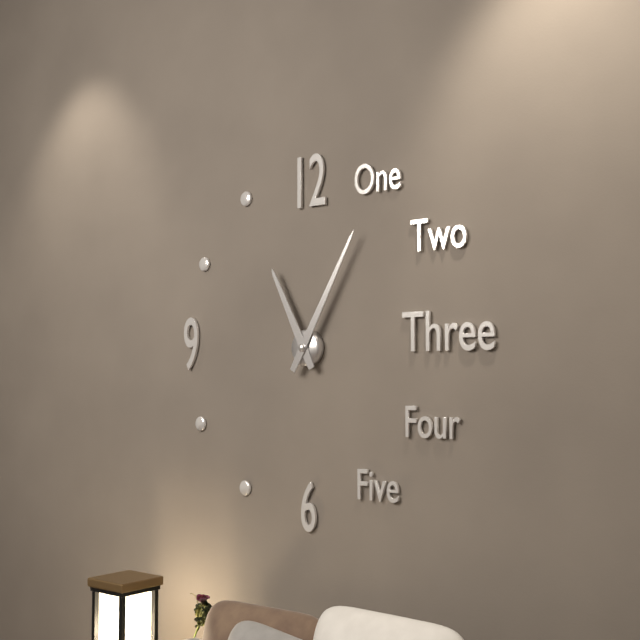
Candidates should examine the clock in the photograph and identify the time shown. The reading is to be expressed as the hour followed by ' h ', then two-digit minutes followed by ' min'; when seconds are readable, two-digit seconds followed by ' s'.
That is 11 h 05 min
